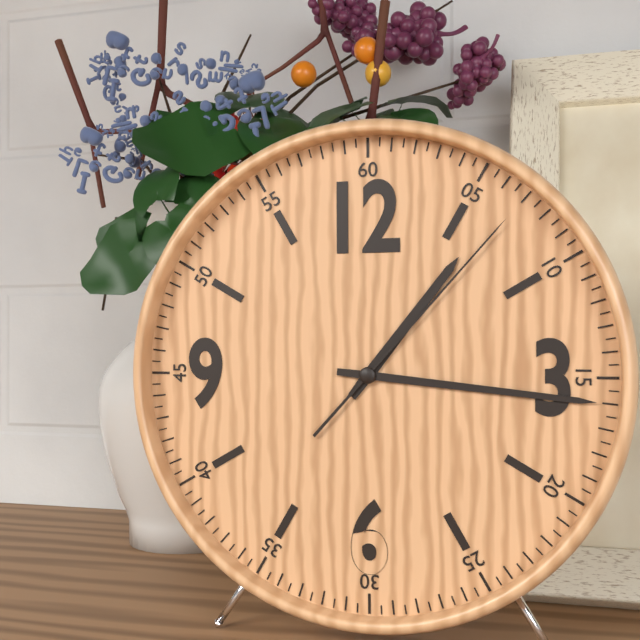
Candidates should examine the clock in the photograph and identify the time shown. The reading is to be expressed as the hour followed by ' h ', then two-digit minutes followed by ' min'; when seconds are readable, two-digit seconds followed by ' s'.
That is 1 h 16 min 07 s
